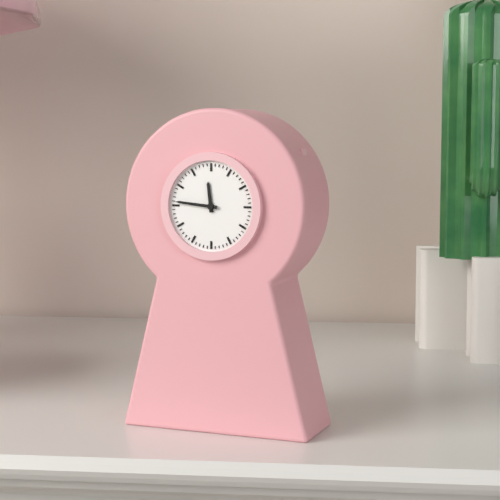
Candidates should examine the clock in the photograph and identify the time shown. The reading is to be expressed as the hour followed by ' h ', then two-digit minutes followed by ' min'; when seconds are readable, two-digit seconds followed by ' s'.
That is 11 h 46 min
